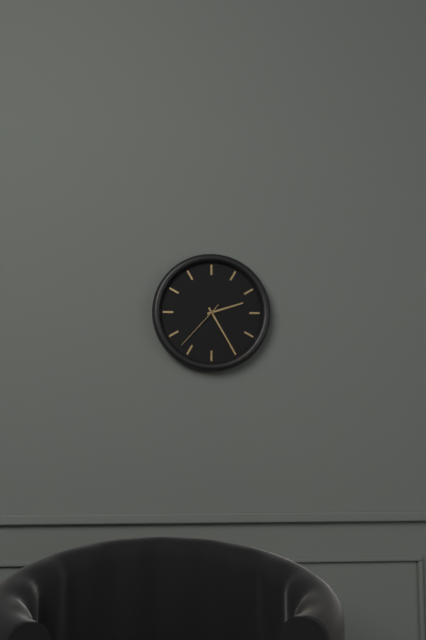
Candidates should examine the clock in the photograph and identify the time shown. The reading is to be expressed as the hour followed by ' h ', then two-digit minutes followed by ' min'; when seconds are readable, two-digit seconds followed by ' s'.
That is 2 h 25 min 37 s
